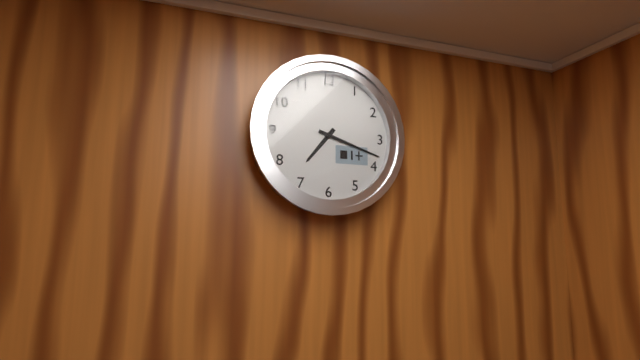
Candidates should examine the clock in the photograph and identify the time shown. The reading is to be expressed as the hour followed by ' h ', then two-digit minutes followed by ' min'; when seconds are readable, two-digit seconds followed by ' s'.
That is 7 h 18 min
